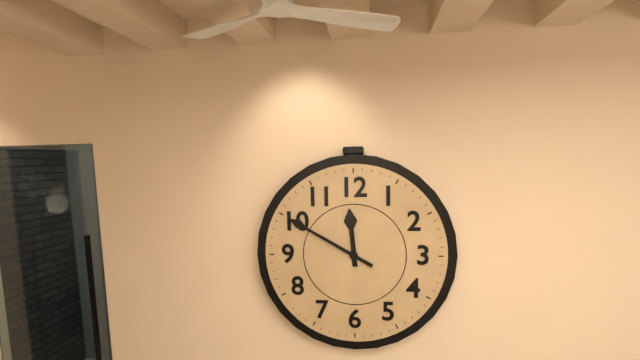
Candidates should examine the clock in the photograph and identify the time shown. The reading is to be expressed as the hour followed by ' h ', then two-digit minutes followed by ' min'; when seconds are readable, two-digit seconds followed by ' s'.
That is 11 h 50 min
